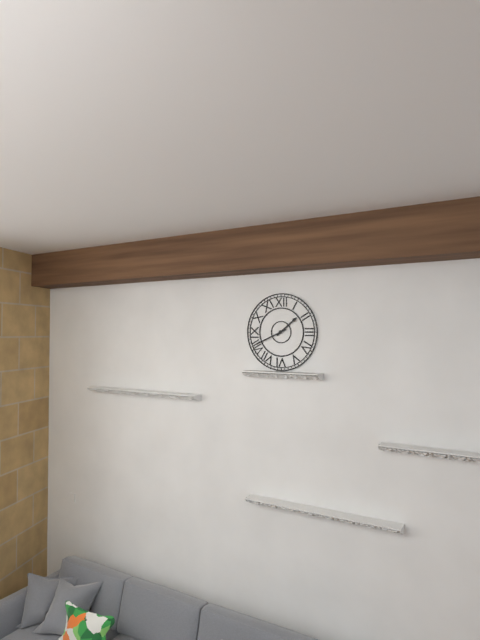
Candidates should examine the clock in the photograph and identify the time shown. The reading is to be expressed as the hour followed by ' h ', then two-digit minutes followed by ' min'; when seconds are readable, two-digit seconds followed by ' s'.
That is 1 h 41 min
